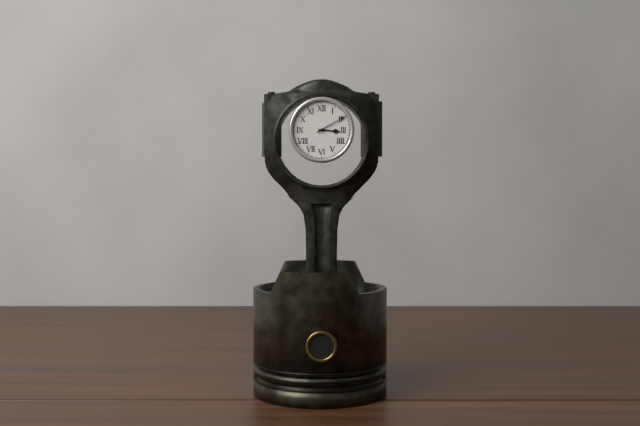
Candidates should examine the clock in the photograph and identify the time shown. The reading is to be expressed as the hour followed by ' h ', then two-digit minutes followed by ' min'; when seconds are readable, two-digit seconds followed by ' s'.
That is 3 h 10 min
